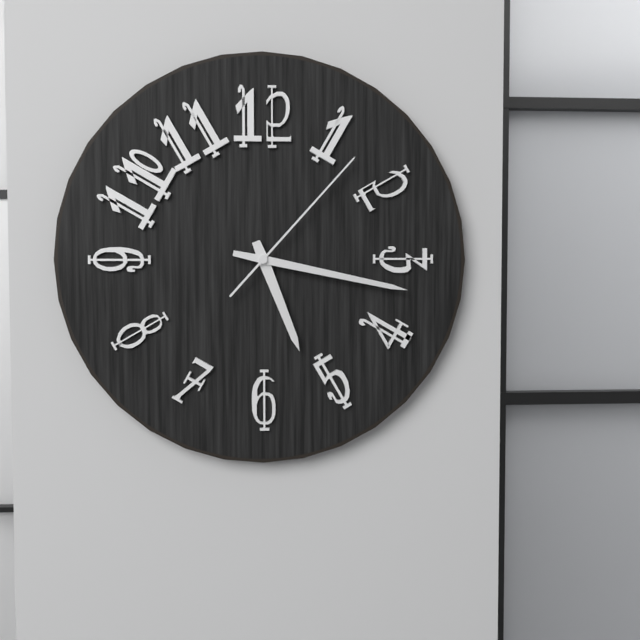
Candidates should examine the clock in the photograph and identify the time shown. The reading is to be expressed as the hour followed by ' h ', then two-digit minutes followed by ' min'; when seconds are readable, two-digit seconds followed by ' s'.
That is 5 h 17 min 07 s
